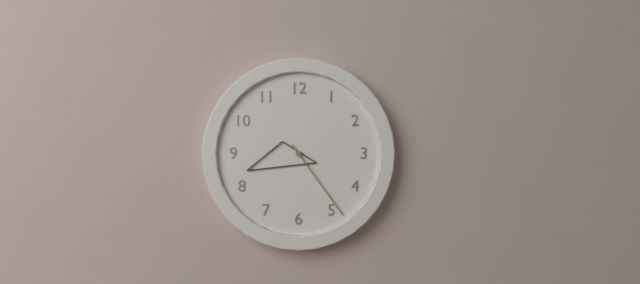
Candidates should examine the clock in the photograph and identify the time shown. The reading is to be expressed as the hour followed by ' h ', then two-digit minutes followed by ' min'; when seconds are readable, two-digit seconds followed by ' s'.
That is 8 h 24 min
